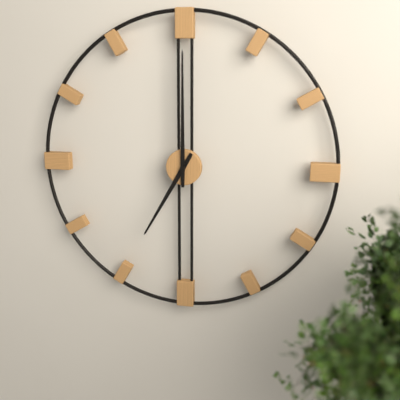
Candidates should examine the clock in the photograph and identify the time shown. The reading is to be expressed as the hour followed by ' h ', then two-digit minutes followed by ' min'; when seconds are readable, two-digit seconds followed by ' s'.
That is 7 h 00 min
